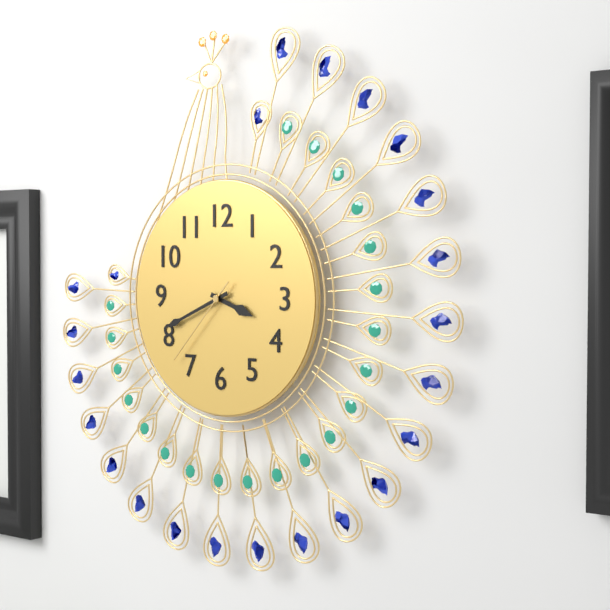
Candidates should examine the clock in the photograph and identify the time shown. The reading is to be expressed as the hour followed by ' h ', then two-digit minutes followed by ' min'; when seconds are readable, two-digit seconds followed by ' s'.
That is 3 h 41 min 37 s
